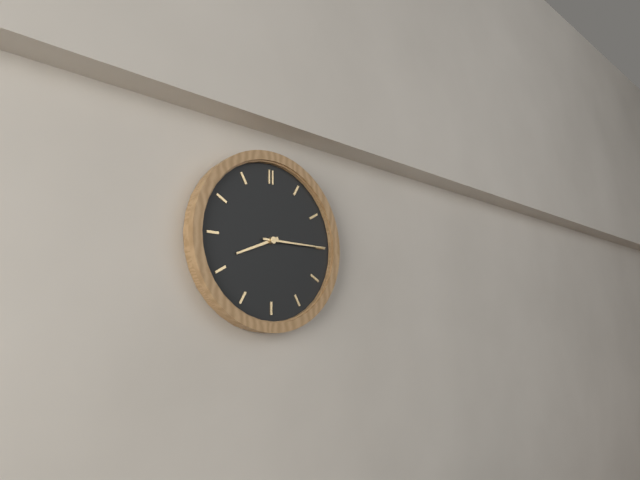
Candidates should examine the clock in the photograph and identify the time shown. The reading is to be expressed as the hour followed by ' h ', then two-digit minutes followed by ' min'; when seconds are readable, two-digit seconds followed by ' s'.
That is 8 h 15 min
